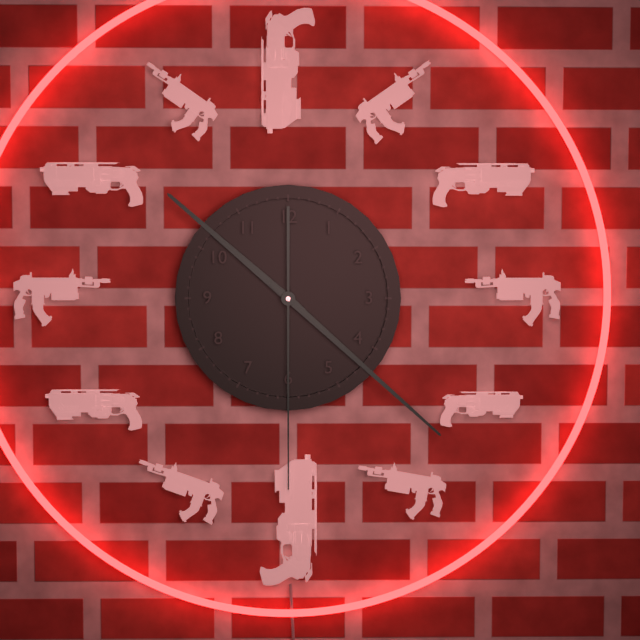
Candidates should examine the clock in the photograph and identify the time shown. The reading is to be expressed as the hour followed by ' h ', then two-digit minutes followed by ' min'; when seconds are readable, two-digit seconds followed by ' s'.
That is 10 h 22 min 30 s
